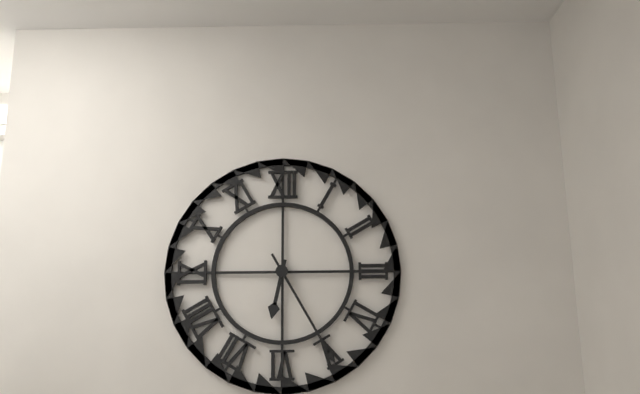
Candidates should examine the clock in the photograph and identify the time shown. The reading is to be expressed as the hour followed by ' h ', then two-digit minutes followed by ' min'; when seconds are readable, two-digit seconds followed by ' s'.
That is 6 h 25 min
